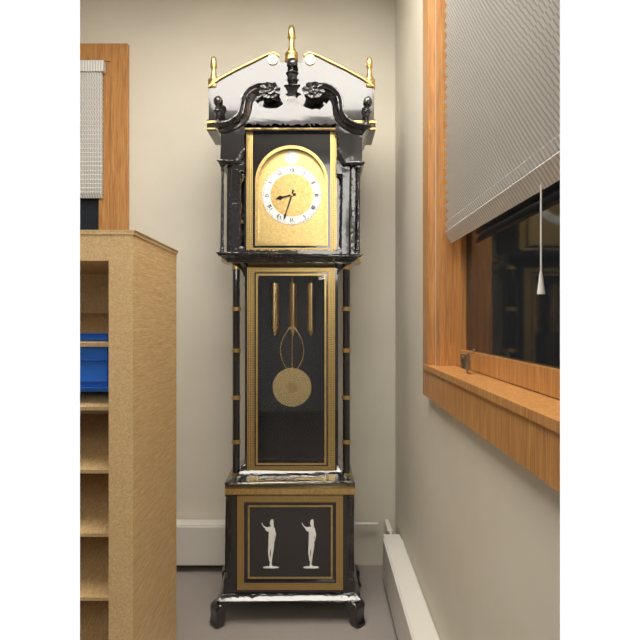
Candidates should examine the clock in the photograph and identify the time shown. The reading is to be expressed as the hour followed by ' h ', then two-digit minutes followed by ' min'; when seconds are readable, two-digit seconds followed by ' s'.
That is 8 h 33 min
